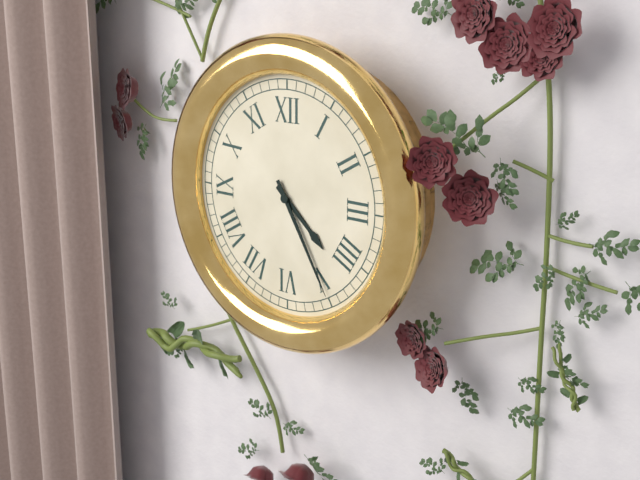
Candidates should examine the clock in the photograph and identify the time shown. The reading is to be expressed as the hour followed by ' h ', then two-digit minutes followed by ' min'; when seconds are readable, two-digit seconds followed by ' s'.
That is 4 h 25 min
